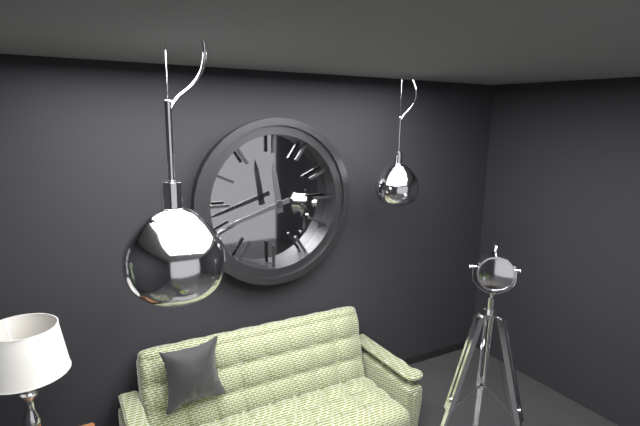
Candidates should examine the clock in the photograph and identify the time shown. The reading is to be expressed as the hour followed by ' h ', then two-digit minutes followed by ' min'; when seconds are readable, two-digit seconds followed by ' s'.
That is 11 h 42 min
